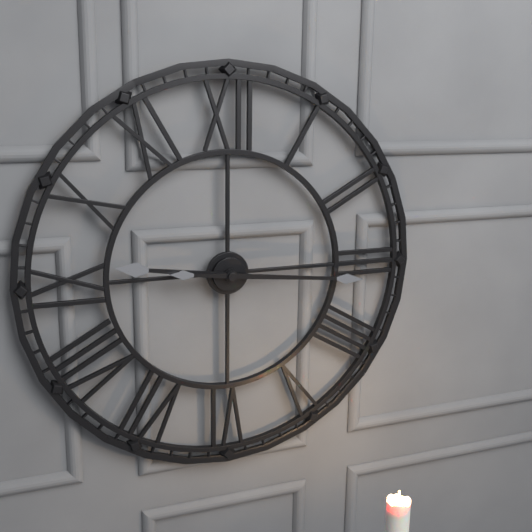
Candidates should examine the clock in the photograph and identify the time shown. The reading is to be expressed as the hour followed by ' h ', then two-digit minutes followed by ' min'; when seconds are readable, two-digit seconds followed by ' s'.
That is 9 h 16 min
